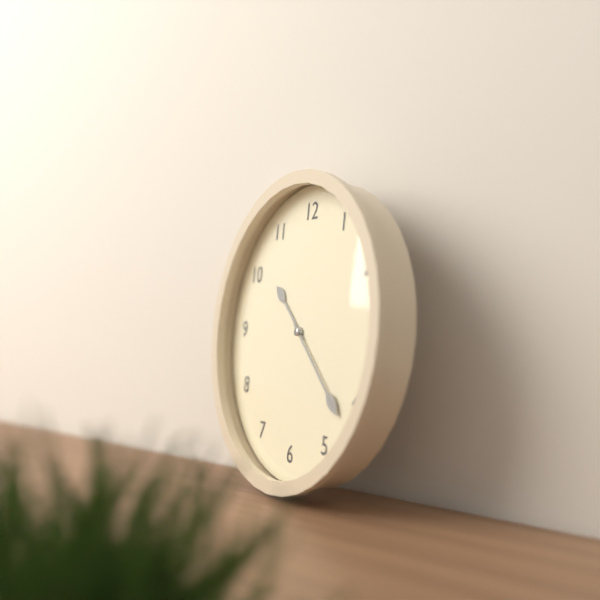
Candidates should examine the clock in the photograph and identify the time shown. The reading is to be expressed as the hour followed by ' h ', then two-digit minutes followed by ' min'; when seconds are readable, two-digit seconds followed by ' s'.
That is 10 h 22 min
